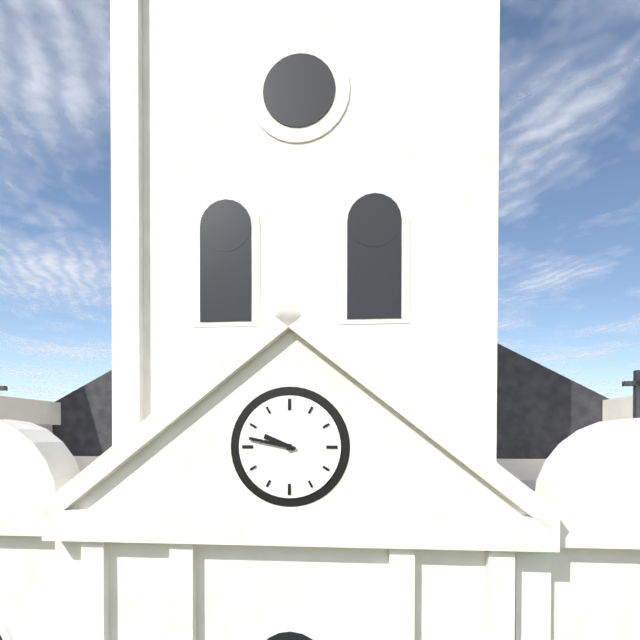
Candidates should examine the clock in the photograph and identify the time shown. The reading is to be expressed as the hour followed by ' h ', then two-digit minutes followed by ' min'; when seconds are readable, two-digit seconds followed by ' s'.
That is 9 h 47 min
